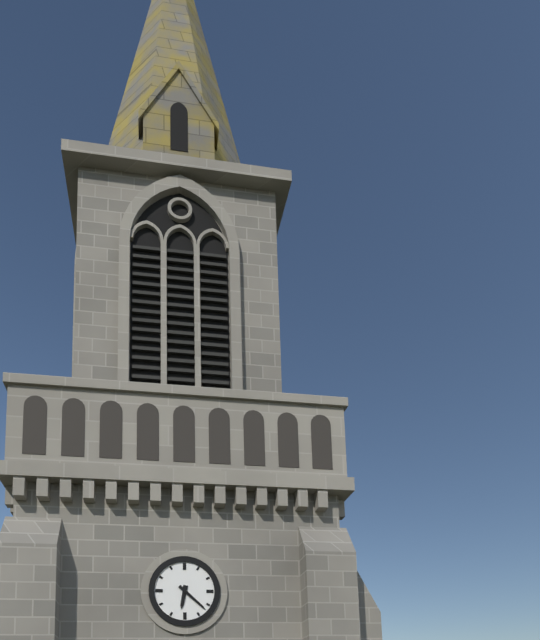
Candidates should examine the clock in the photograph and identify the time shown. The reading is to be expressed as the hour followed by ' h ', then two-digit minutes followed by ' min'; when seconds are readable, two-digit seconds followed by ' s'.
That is 6 h 22 min
